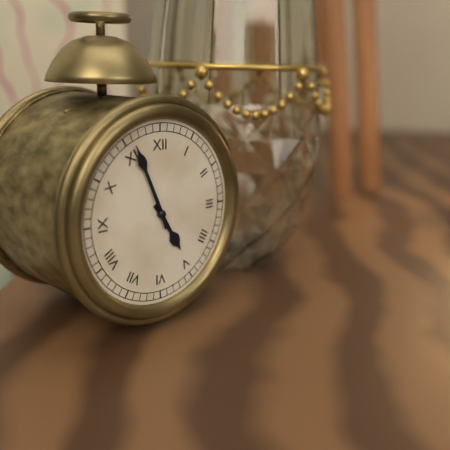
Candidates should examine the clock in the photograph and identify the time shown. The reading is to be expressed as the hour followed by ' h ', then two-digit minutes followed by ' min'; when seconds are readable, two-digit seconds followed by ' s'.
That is 4 h 56 min
